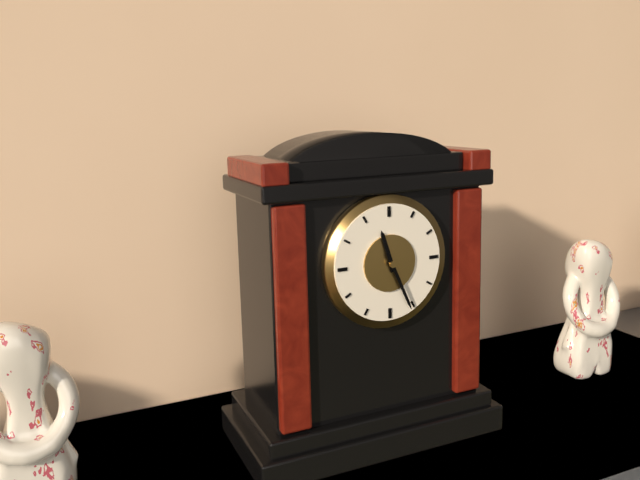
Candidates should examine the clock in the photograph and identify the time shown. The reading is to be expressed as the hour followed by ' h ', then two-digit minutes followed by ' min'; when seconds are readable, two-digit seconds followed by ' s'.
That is 11 h 26 min
